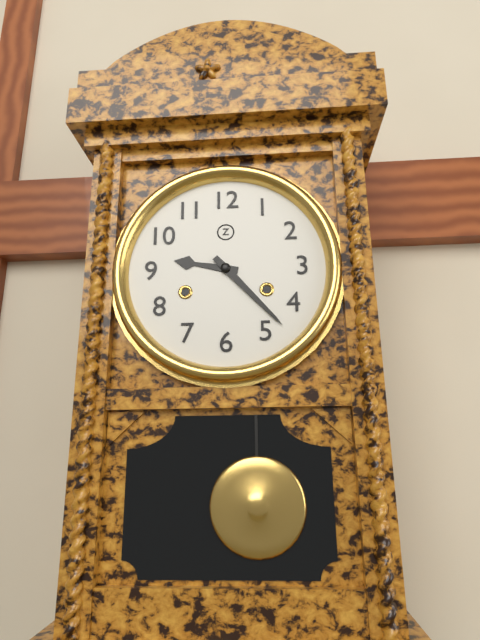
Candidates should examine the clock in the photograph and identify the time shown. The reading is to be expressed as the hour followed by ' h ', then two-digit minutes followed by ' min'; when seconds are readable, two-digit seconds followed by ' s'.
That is 9 h 23 min
